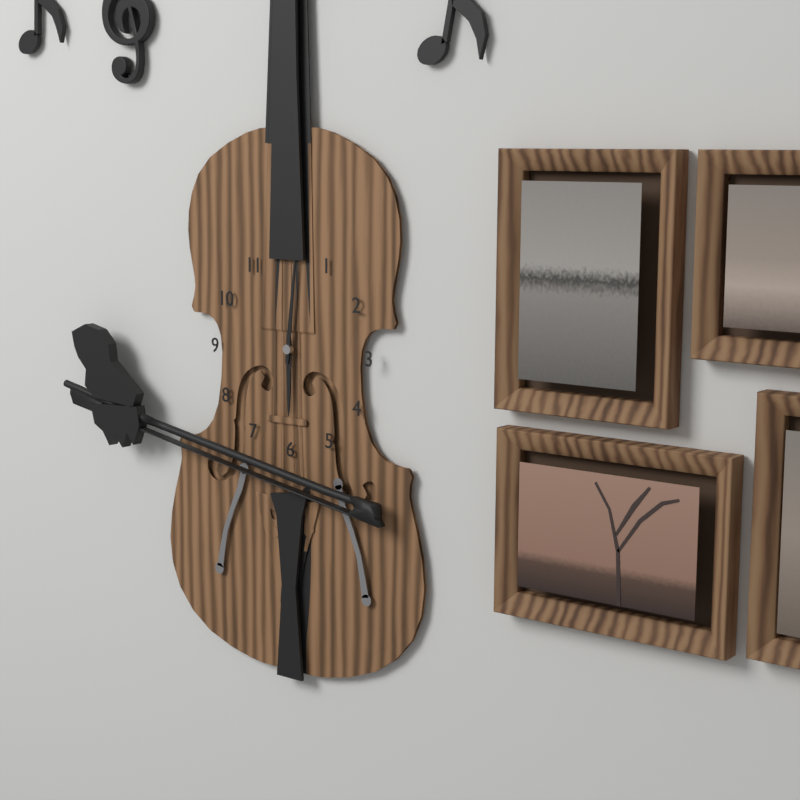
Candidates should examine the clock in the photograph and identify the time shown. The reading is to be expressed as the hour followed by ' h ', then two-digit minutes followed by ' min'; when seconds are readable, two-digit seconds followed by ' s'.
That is 6 h 01 min
